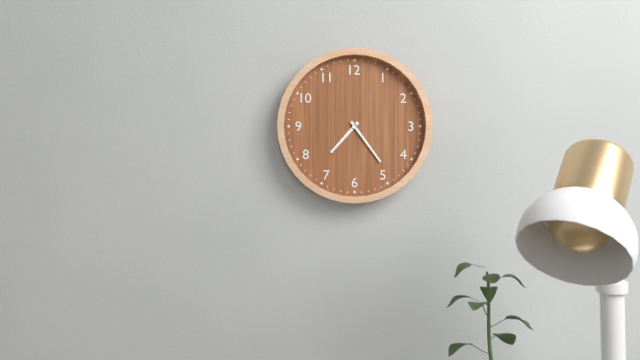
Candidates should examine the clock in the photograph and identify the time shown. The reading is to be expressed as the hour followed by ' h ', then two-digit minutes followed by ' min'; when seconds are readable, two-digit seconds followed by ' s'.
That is 7 h 24 min
